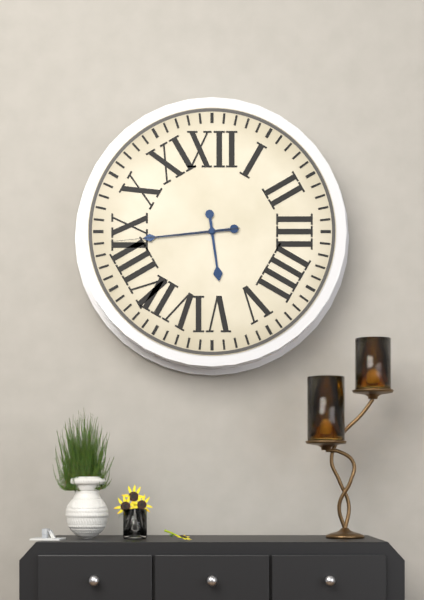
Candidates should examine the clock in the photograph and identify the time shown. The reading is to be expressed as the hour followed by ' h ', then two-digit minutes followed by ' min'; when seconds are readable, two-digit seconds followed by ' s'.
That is 5 h 44 min 44 s
